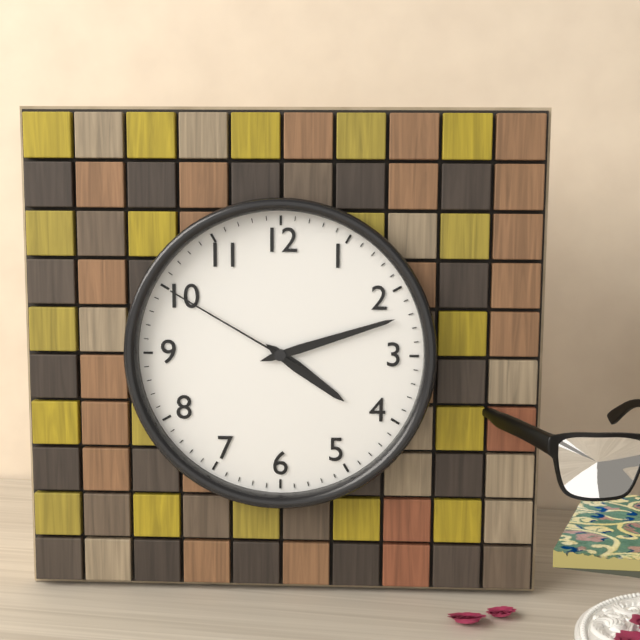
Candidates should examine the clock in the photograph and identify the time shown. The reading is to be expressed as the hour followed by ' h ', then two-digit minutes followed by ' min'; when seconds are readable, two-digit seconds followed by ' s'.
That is 4 h 12 min 50 s
